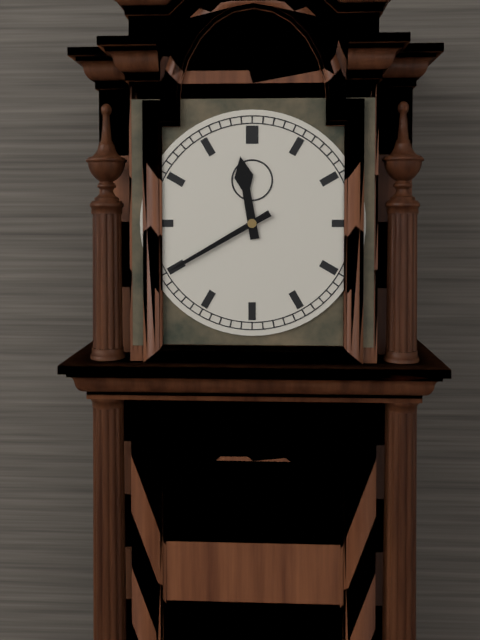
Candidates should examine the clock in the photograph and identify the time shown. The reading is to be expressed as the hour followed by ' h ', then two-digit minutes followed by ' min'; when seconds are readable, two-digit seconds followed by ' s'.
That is 11 h 40 min
